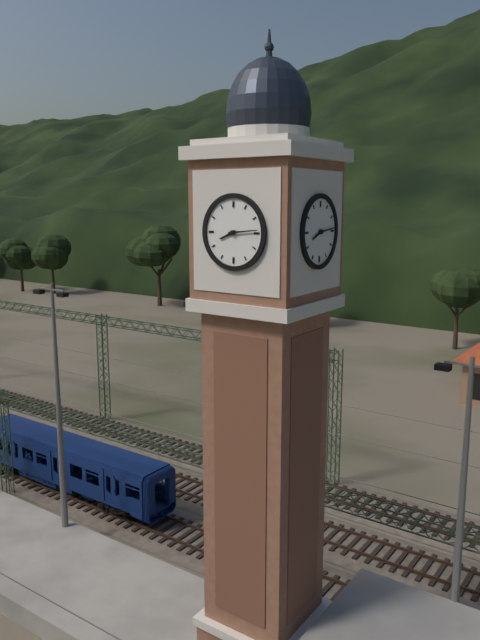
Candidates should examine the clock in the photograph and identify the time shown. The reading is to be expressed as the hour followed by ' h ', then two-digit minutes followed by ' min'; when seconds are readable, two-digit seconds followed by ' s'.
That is 8 h 14 min
